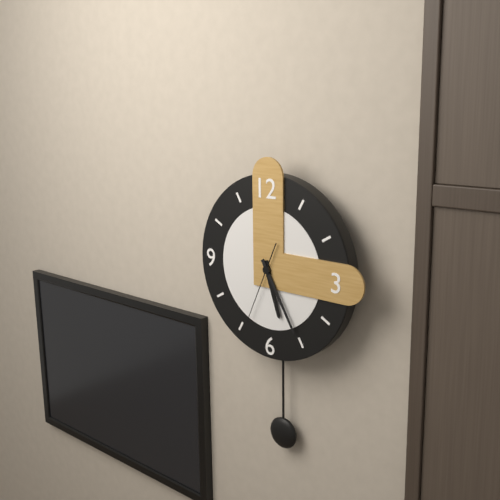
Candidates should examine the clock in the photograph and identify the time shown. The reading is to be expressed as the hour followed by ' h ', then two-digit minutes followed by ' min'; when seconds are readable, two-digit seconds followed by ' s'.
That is 5 h 25 min 34 s
